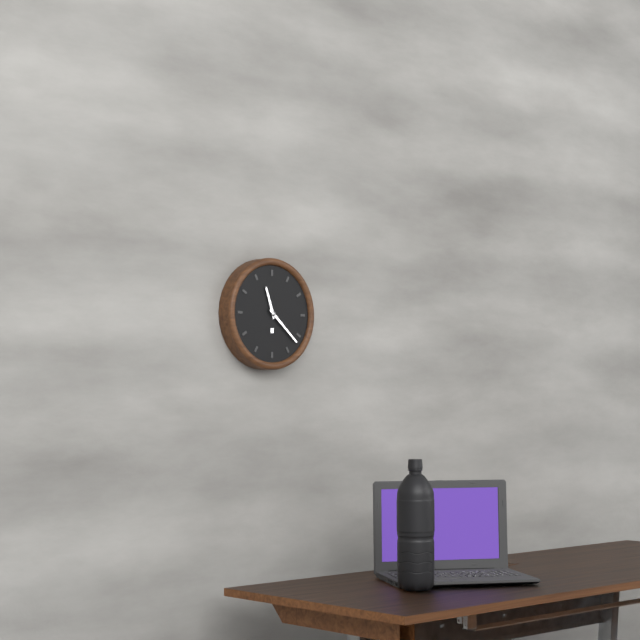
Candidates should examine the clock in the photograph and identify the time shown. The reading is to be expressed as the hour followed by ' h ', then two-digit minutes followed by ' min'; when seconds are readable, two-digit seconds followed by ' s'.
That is 11 h 22 min
